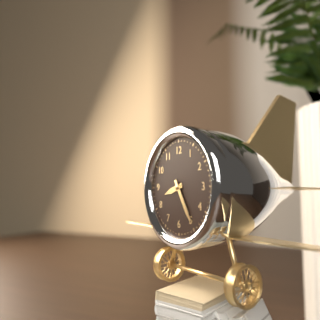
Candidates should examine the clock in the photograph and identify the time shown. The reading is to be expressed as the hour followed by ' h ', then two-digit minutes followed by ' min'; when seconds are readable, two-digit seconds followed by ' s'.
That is 8 h 25 min
